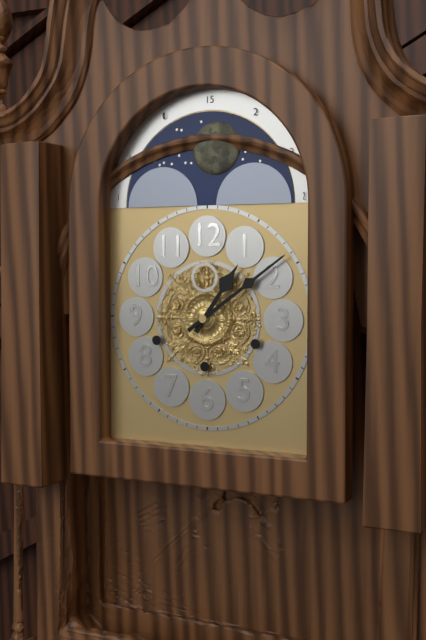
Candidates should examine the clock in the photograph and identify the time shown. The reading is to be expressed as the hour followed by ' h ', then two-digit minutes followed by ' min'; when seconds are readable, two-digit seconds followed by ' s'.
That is 1 h 09 min
